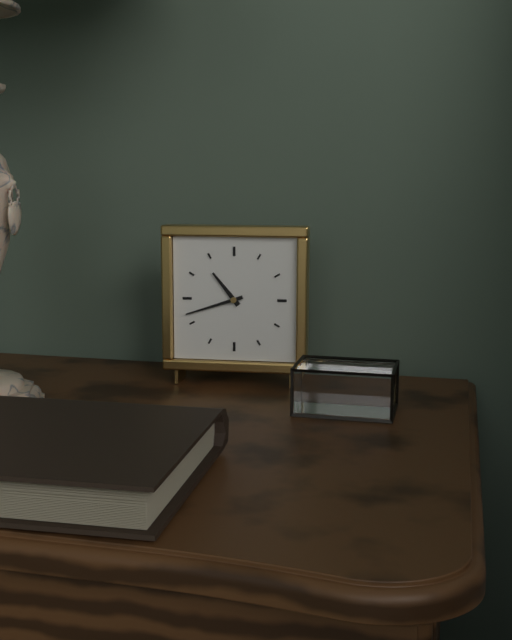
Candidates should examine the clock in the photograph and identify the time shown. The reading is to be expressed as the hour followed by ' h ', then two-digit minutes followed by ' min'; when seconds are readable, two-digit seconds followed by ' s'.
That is 10 h 42 min
